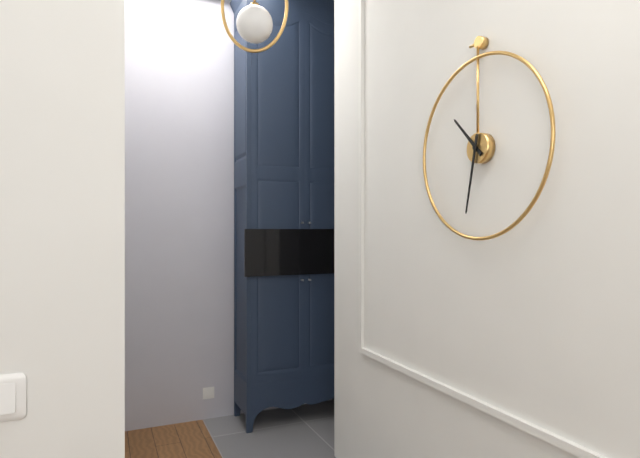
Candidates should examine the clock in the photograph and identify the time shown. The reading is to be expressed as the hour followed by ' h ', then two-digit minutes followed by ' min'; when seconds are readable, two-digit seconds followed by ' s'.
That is 10 h 32 min
